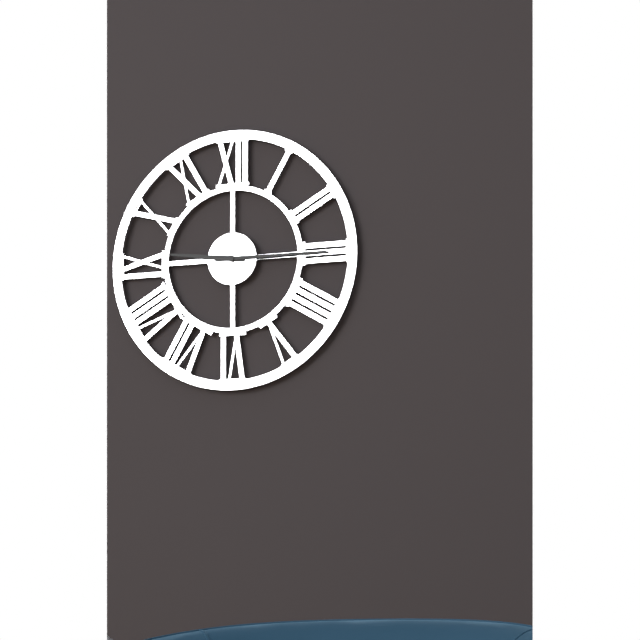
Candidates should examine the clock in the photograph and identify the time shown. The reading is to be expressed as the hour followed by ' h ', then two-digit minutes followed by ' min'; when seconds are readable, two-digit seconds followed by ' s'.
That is 9 h 15 min
